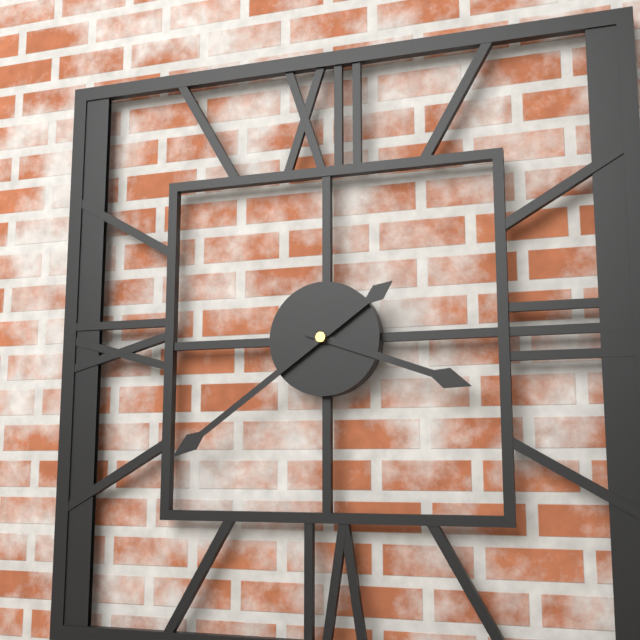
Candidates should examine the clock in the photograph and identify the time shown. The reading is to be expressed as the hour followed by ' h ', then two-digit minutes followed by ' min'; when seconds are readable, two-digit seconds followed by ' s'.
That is 3 h 39 min
